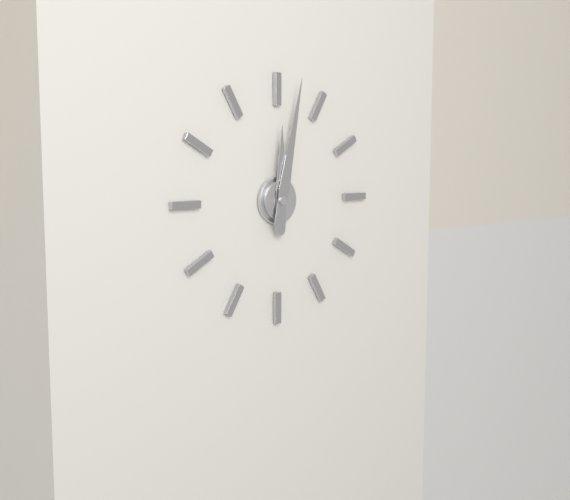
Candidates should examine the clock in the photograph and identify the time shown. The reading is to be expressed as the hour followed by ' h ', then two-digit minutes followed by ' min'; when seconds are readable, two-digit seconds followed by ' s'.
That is 12 h 02 min
